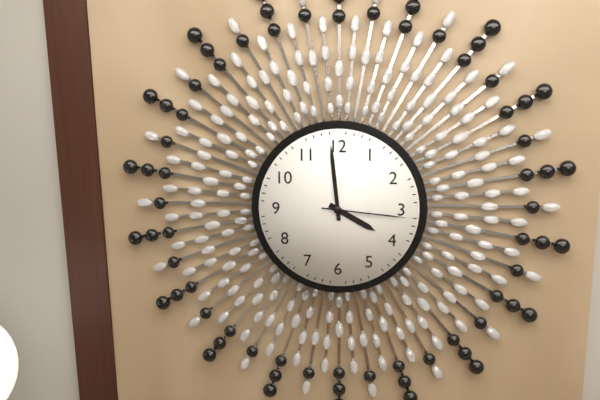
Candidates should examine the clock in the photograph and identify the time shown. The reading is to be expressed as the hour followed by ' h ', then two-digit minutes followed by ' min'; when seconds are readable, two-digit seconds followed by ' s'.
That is 3 h 59 min 16 s
